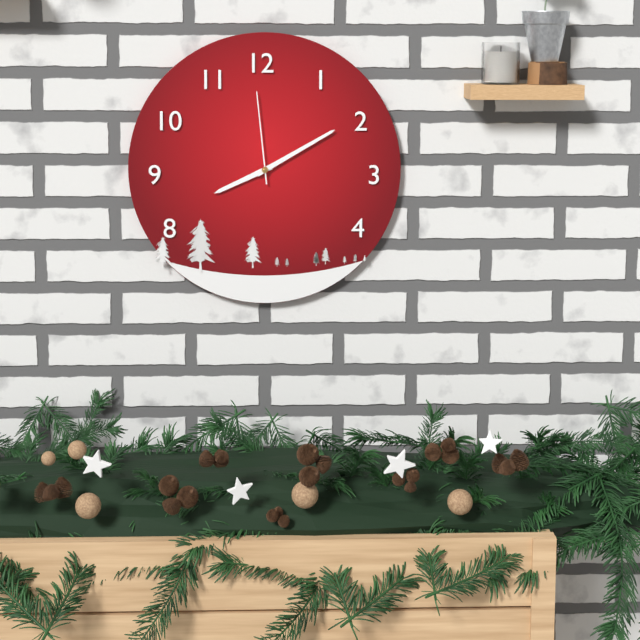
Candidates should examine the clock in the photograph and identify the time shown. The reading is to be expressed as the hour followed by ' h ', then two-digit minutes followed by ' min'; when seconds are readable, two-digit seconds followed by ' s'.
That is 8 h 10 min 59 s
